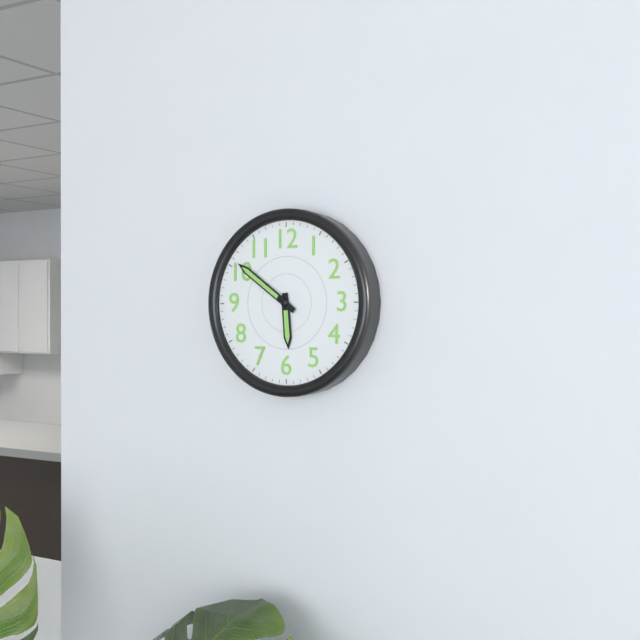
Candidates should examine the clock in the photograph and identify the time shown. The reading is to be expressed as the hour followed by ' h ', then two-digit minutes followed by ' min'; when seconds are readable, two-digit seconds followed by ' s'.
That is 5 h 51 min
